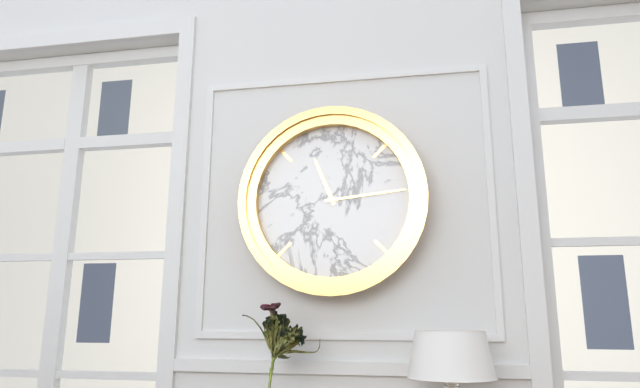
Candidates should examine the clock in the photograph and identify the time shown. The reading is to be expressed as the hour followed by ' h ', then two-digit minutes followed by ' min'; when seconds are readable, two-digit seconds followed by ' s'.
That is 11 h 14 min
